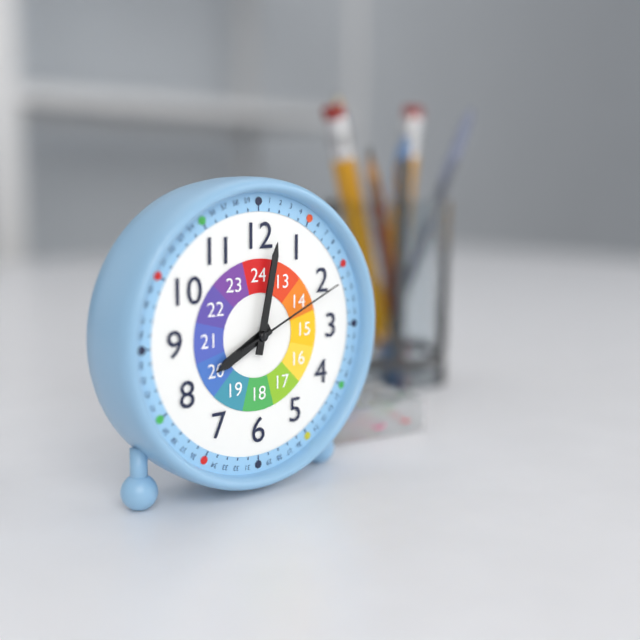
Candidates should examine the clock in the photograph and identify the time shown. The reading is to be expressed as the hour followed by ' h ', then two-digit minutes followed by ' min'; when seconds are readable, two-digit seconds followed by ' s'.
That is 8 h 02 min 11 s
